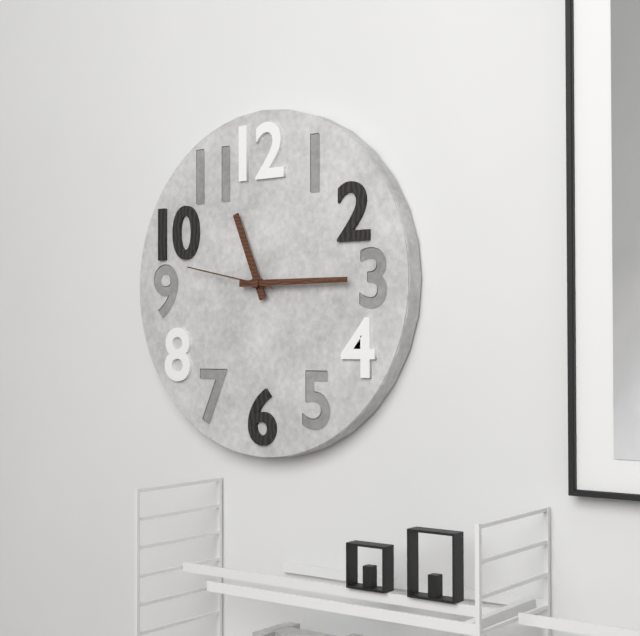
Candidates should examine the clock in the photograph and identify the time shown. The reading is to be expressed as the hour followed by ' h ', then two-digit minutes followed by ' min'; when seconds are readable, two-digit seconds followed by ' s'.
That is 11 h 15 min 47 s
